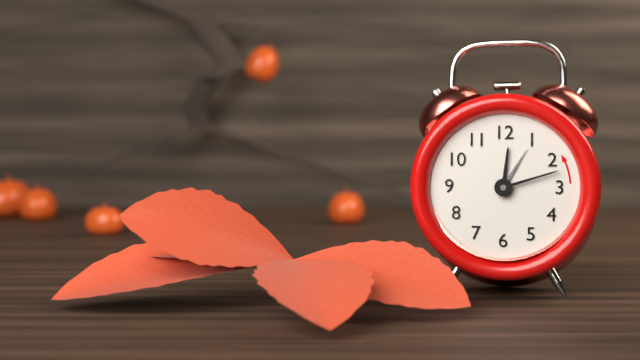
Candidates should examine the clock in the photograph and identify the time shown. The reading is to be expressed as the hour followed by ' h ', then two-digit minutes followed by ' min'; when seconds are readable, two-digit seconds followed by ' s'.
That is 12 h 12 min 05 s
